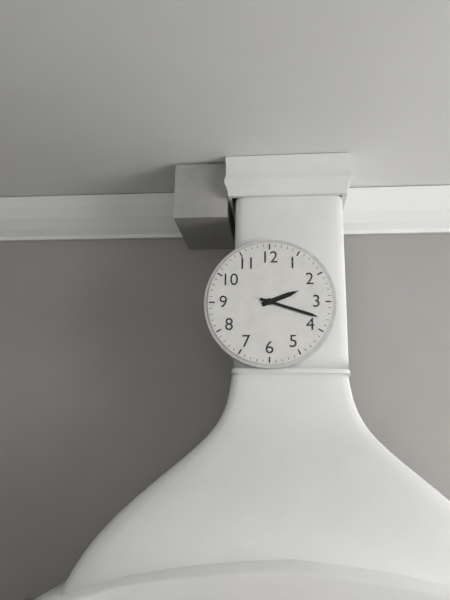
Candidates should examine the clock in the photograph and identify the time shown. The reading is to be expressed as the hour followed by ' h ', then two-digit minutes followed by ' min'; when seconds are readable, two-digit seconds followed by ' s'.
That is 2 h 18 min
